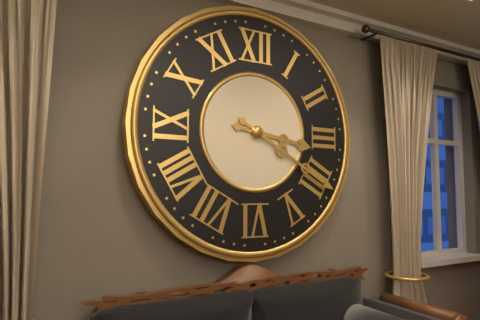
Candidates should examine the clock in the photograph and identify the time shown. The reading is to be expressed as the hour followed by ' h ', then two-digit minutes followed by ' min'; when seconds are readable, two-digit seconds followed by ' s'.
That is 3 h 20 min
